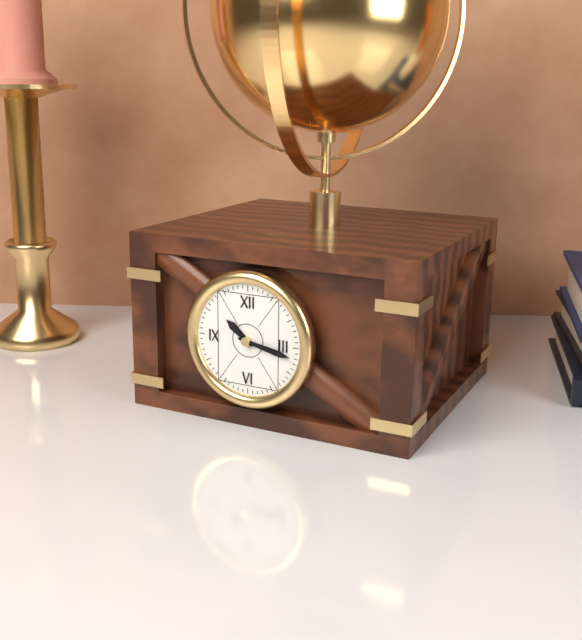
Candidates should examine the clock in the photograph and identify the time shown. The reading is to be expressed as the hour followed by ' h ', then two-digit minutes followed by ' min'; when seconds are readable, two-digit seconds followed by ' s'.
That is 10 h 17 min
